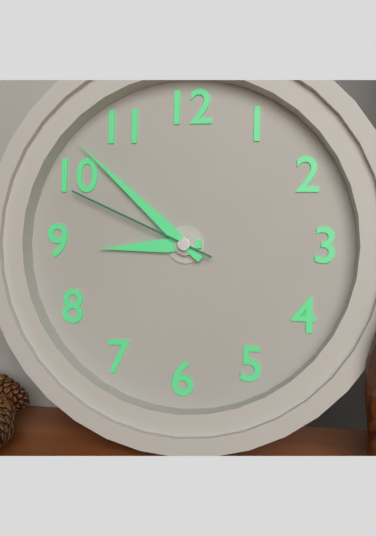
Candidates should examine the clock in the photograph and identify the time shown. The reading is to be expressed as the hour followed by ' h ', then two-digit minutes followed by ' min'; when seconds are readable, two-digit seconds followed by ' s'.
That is 8 h 52 min 49 s
